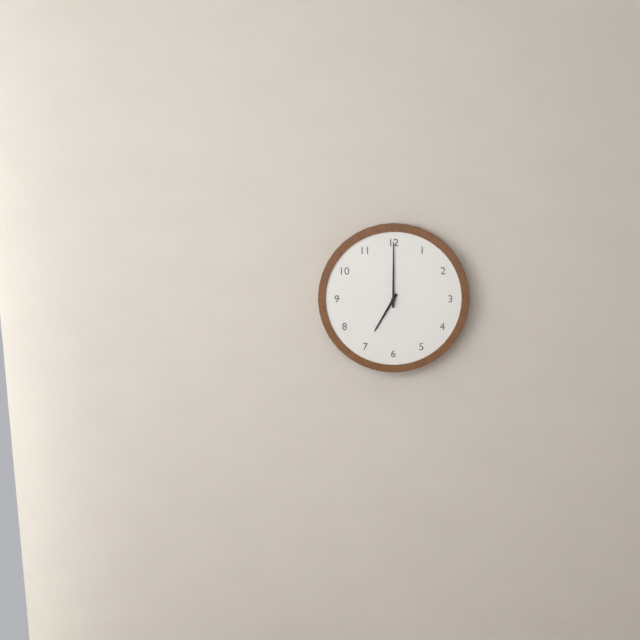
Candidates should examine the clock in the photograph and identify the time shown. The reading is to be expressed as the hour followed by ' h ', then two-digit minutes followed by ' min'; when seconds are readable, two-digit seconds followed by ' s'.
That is 7 h 00 min
